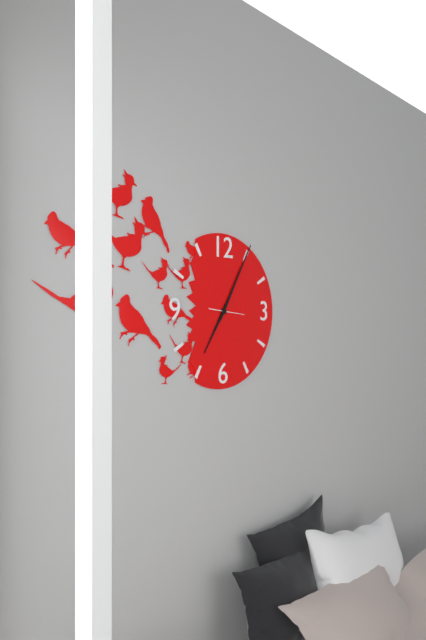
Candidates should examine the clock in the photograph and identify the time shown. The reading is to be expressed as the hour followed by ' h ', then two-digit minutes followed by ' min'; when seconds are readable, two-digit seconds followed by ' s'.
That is 7 h 05 min
